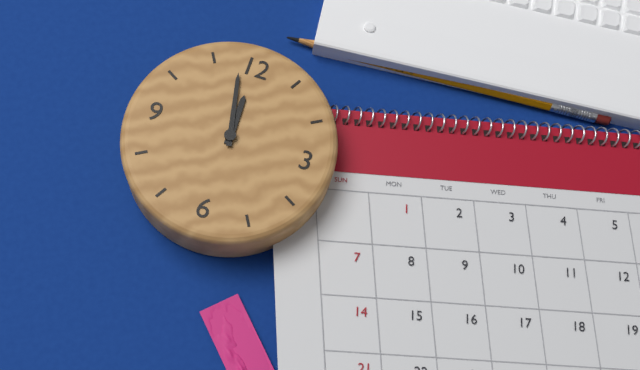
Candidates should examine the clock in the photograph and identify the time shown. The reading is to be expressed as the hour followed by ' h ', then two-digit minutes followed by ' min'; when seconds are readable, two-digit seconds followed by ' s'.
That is 11 h 58 min
